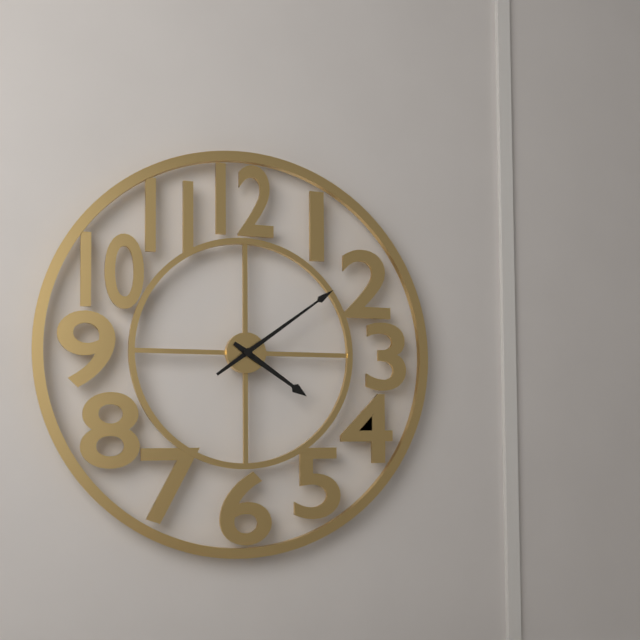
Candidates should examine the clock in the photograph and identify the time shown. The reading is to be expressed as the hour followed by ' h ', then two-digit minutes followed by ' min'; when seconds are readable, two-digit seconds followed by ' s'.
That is 4 h 09 min
